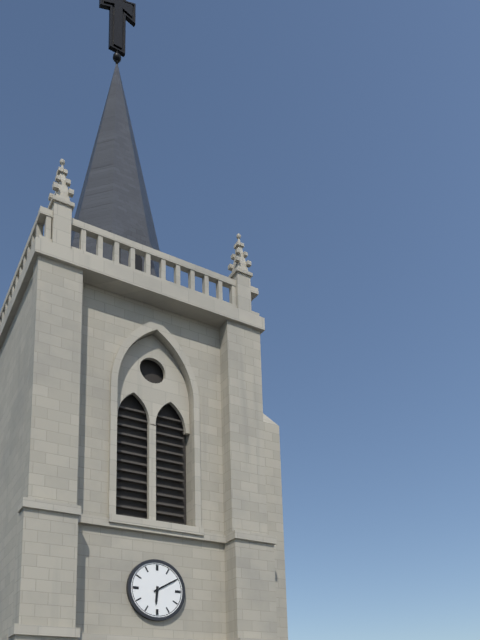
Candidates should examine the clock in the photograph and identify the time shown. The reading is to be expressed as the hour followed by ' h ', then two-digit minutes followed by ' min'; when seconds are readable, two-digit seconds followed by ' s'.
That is 6 h 10 min
